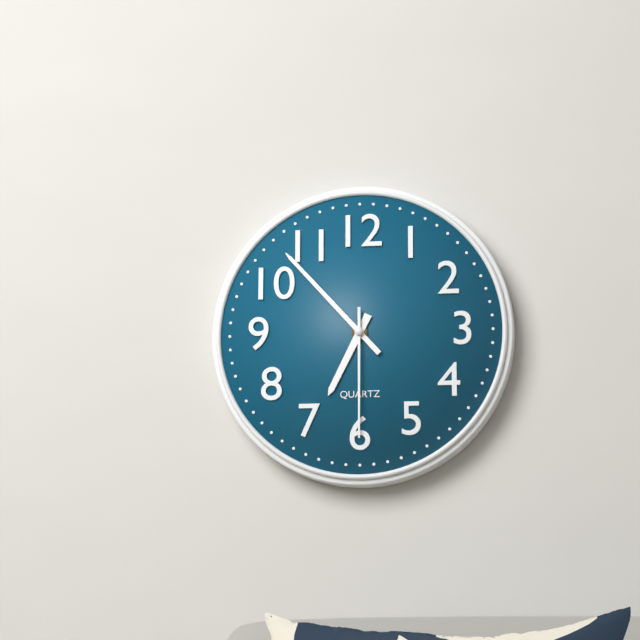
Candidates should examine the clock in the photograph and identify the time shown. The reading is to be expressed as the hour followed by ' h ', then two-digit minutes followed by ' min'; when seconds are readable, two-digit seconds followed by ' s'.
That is 6 h 53 min 30 s
